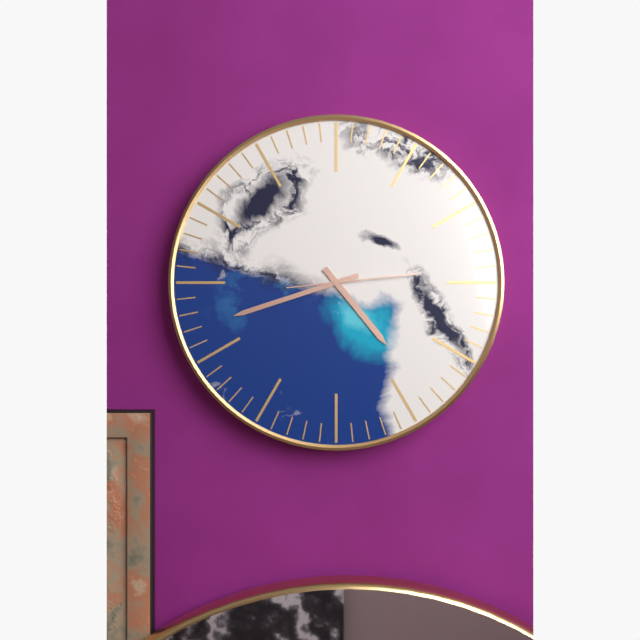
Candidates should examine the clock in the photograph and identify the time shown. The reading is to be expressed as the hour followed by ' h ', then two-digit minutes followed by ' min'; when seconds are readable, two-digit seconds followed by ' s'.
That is 4 h 42 min 14 s
